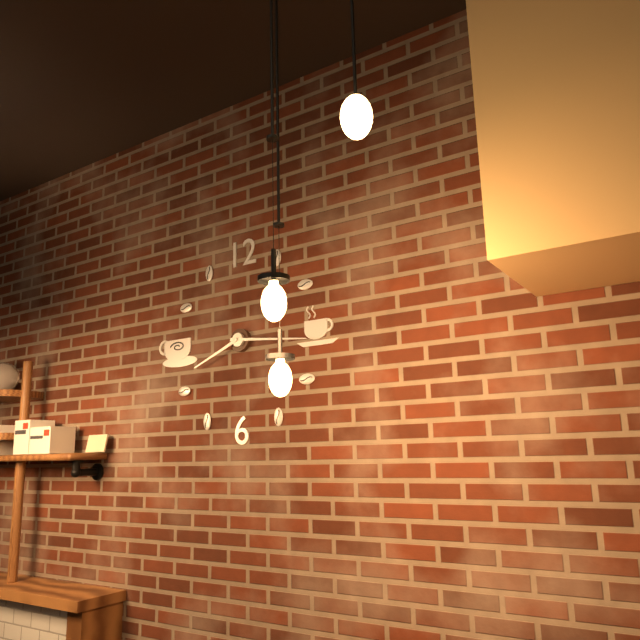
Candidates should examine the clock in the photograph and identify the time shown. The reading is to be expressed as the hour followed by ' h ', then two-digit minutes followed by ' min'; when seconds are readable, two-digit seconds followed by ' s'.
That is 8 h 16 min
